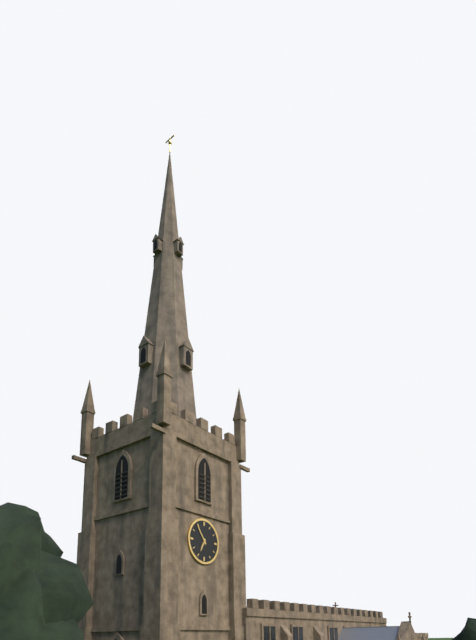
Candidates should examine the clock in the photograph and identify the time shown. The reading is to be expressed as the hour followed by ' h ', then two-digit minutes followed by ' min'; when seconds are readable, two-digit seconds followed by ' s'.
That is 6 h 54 min
